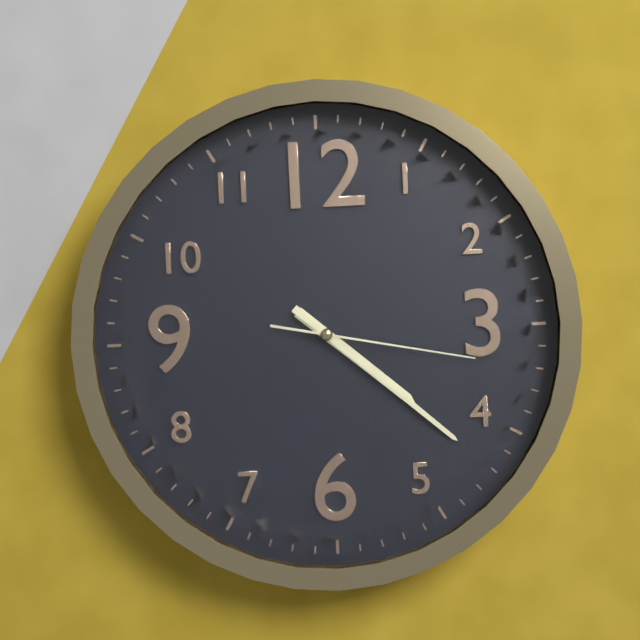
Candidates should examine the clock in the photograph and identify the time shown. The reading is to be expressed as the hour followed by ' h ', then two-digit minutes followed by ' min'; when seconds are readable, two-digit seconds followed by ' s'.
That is 4 h 22 min 17 s
